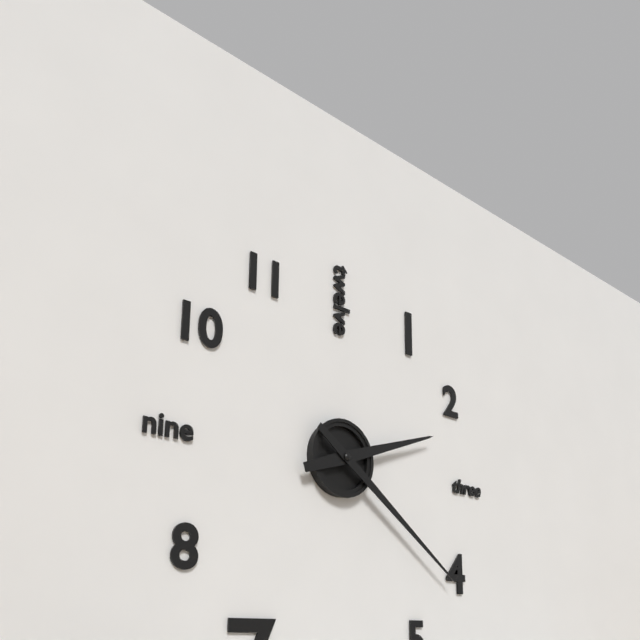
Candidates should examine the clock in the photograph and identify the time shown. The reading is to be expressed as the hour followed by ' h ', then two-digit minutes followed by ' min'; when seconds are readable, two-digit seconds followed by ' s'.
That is 2 h 21 min
